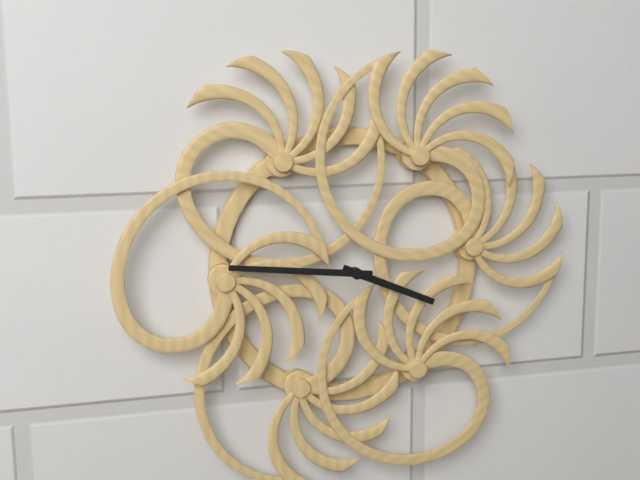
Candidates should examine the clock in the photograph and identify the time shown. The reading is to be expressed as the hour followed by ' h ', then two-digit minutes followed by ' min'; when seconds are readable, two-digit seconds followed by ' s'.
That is 3 h 46 min
